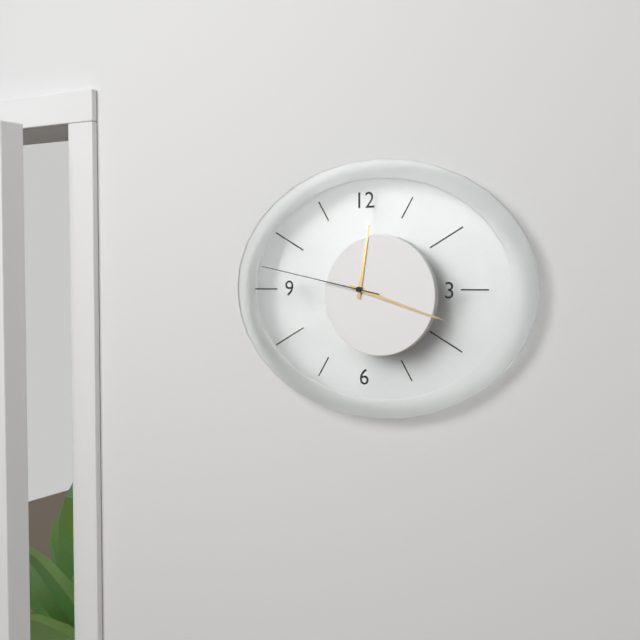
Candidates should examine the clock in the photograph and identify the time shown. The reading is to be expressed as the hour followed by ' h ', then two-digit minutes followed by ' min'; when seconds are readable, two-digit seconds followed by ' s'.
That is 12 h 18 min 47 s
